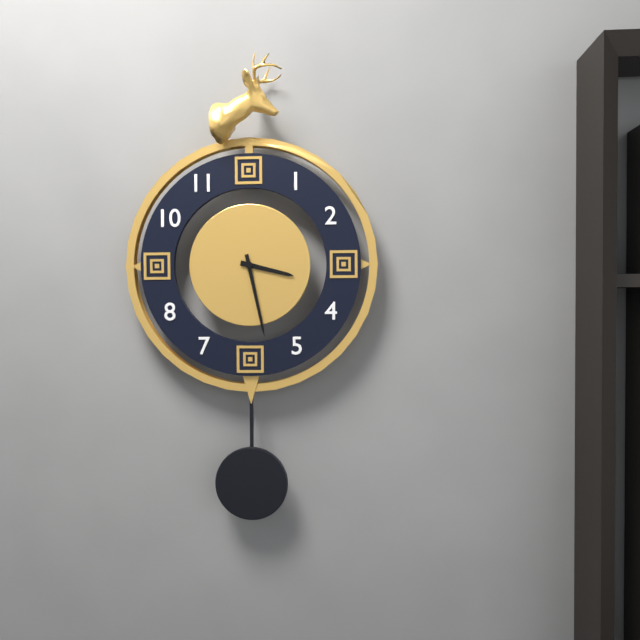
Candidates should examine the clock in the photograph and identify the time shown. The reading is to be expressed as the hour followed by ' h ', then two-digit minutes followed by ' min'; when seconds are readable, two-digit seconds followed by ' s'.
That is 3 h 28 min
